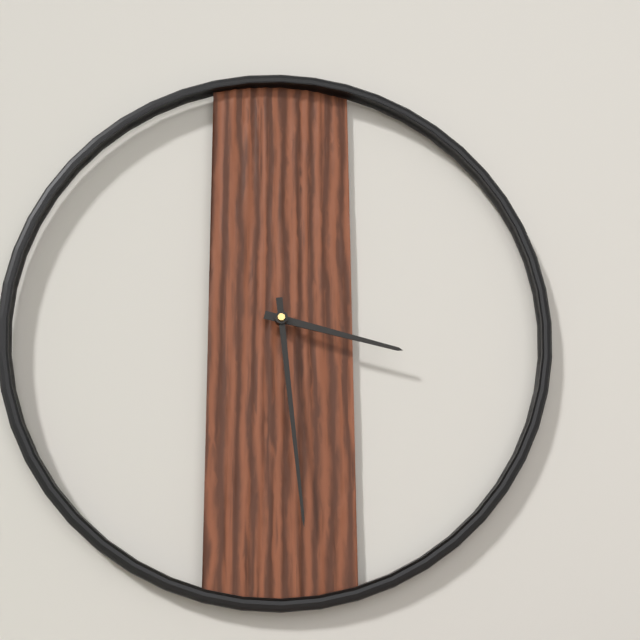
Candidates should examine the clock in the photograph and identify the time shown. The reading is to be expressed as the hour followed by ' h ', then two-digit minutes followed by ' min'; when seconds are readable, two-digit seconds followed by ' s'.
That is 3 h 29 min
